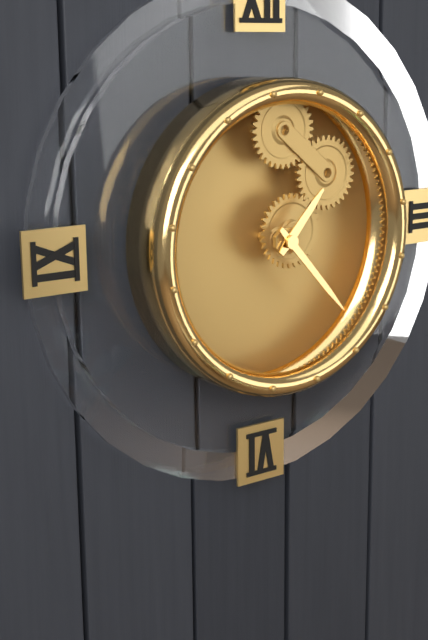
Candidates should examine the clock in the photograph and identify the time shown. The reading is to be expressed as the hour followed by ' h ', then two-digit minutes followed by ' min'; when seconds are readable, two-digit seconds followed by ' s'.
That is 1 h 23 min
